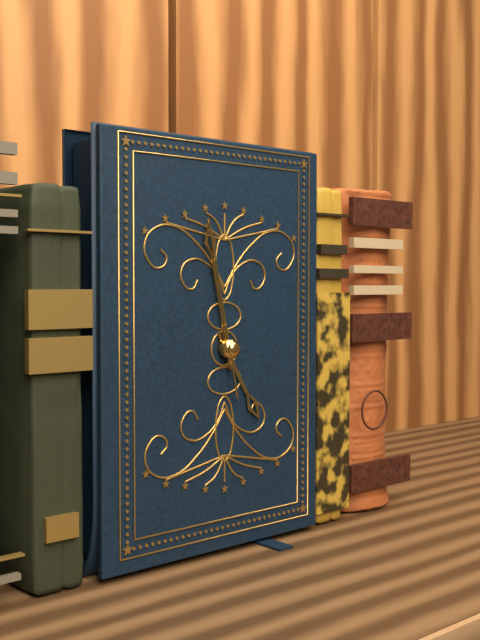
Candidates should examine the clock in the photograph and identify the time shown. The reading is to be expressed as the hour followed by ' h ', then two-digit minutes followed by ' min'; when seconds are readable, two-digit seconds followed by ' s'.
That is 4 h 58 min 58 s
